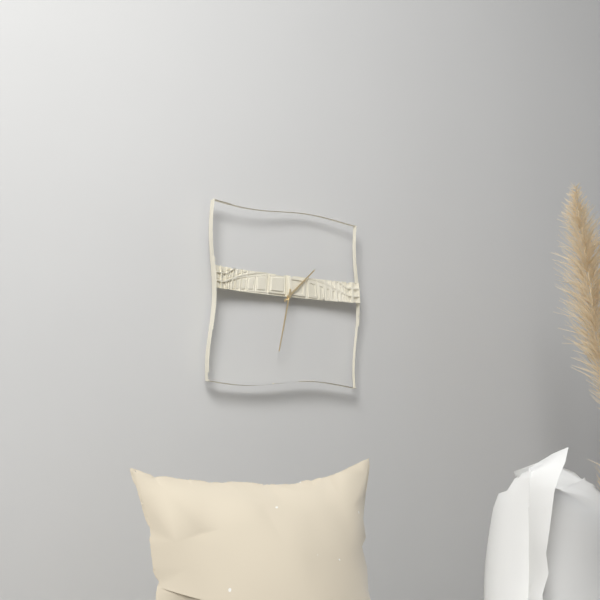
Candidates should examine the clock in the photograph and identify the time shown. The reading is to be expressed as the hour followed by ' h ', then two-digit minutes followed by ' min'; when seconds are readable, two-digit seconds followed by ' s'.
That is 1 h 32 min
